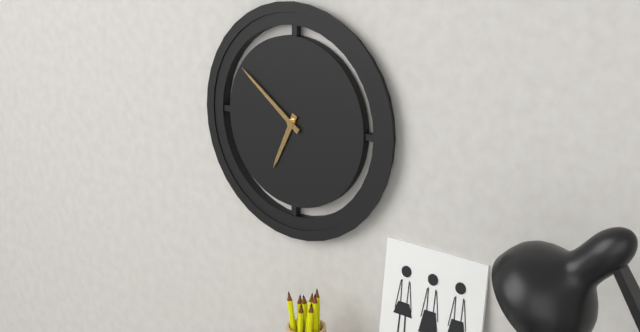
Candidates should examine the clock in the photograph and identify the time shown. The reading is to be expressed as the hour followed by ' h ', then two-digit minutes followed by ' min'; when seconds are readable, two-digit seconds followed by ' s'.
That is 6 h 51 min
